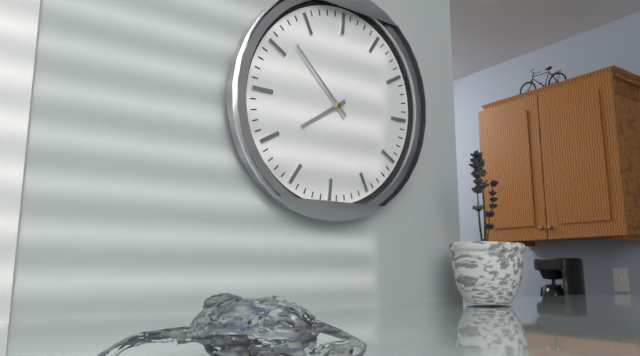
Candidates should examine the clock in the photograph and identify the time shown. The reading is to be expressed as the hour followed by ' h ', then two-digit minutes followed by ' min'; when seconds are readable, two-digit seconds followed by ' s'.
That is 7 h 52 min
